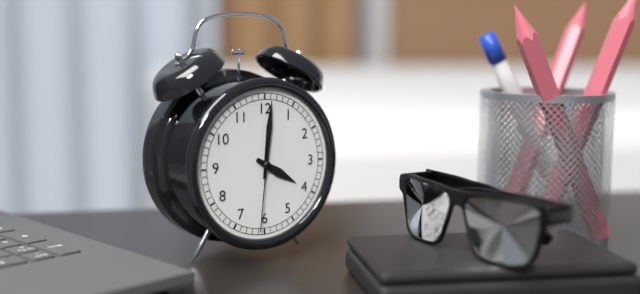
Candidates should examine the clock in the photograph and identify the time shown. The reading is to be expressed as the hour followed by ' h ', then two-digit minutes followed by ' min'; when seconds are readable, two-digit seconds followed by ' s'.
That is 4 h 01 min 31 s
